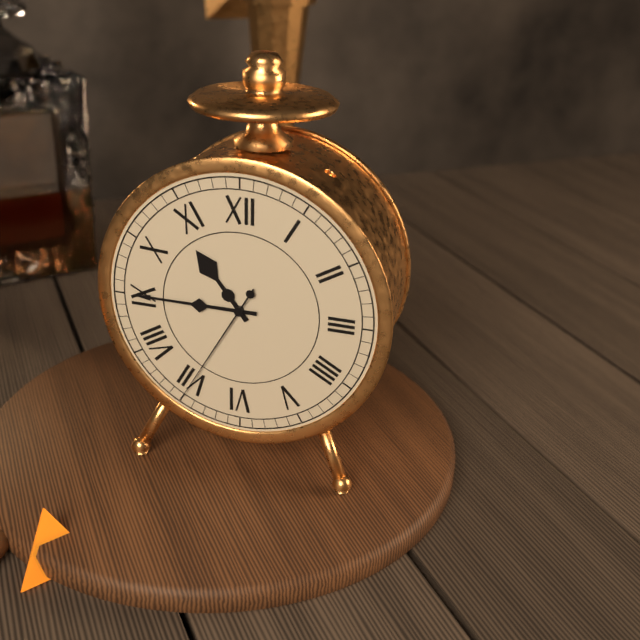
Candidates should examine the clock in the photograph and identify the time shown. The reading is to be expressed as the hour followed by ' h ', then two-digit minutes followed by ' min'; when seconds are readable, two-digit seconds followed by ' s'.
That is 10 h 45 min 35 s
